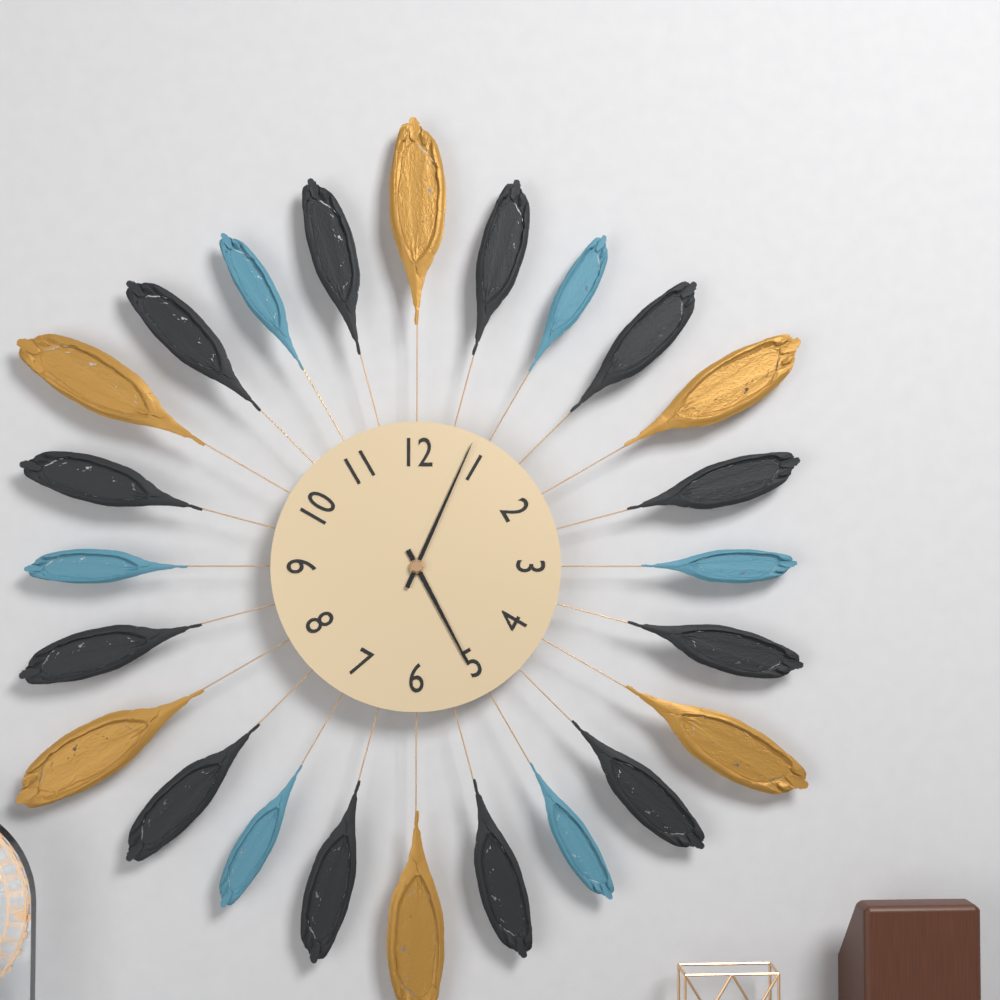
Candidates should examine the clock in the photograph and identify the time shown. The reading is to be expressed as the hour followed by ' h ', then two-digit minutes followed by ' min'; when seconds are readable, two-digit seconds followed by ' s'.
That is 5 h 04 min
